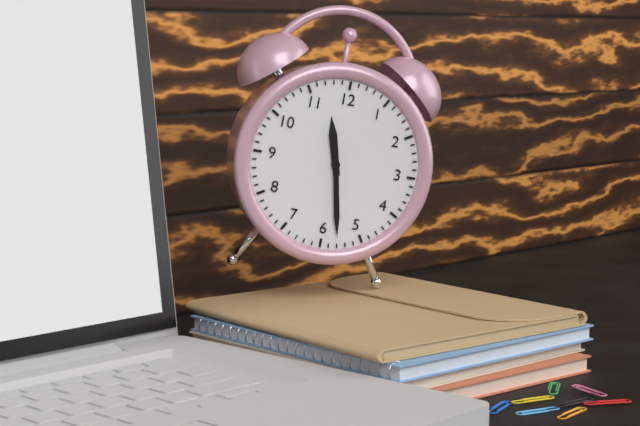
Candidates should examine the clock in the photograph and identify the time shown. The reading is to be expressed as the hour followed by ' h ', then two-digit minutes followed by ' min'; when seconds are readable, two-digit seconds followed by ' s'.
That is 11 h 28 min
